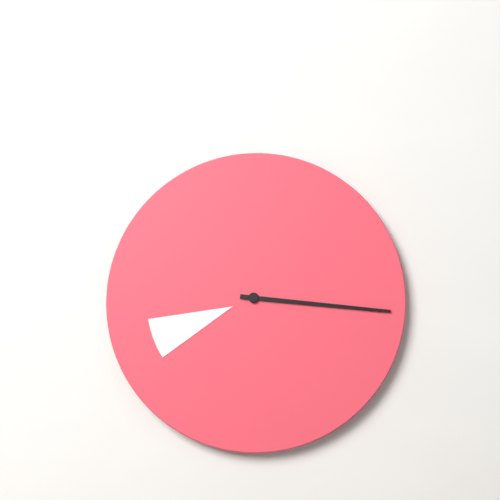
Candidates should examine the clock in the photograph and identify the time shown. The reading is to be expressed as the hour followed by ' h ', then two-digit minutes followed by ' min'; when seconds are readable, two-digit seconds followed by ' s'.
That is 8 h 16 min
